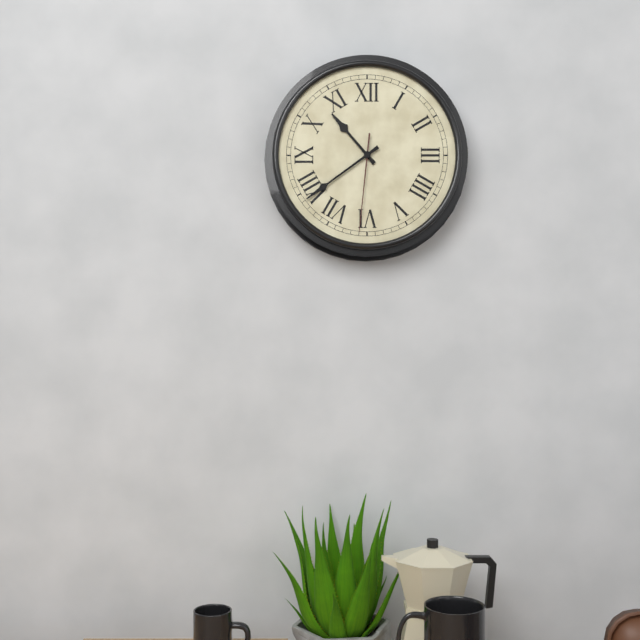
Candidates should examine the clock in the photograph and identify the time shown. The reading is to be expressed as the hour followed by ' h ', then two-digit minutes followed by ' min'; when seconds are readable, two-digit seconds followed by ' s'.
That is 10 h 39 min 31 s
